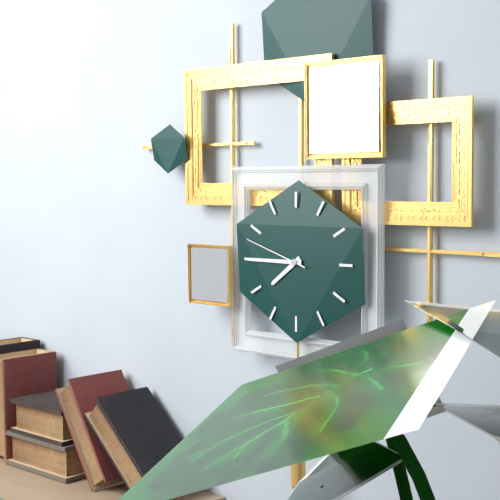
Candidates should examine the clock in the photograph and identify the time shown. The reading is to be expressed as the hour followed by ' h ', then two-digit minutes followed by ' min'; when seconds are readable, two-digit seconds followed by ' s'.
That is 7 h 45 min 48 s
